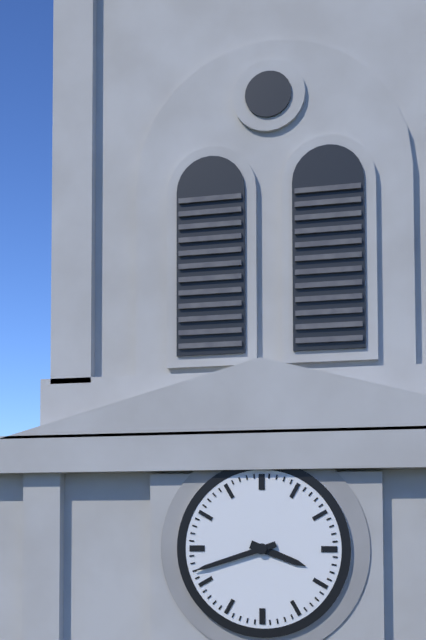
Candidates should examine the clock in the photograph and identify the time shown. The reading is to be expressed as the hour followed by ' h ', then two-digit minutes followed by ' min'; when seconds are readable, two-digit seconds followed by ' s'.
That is 3 h 42 min
